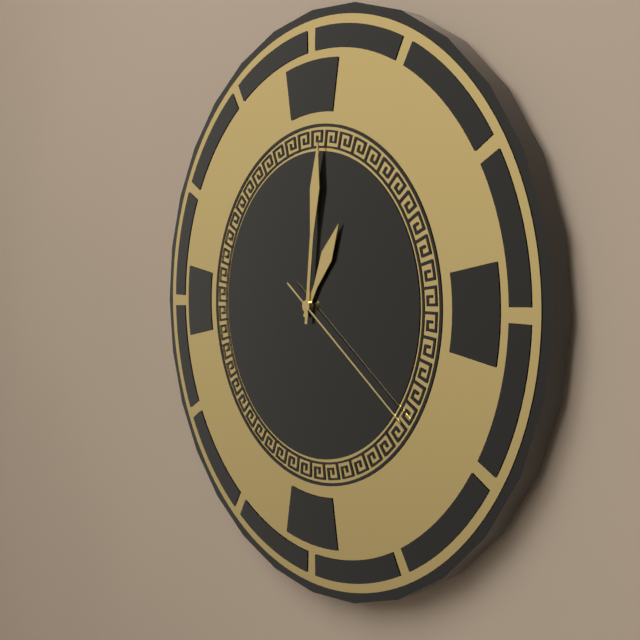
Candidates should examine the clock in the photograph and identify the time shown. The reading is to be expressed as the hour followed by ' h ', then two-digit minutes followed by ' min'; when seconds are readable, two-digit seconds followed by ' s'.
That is 1 h 01 min 21 s
